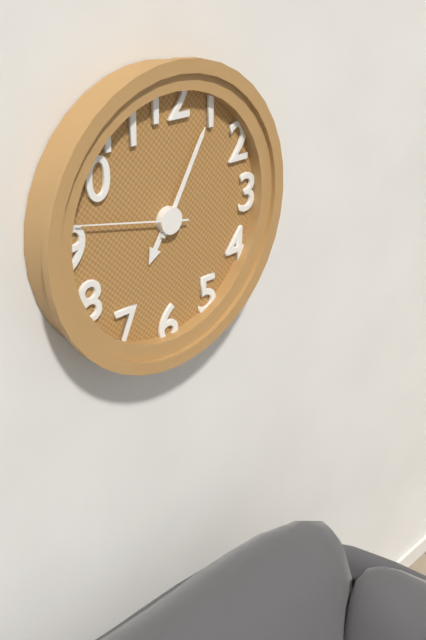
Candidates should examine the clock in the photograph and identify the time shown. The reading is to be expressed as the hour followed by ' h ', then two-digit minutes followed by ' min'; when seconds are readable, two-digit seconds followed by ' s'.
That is 7 h 05 min 47 s
